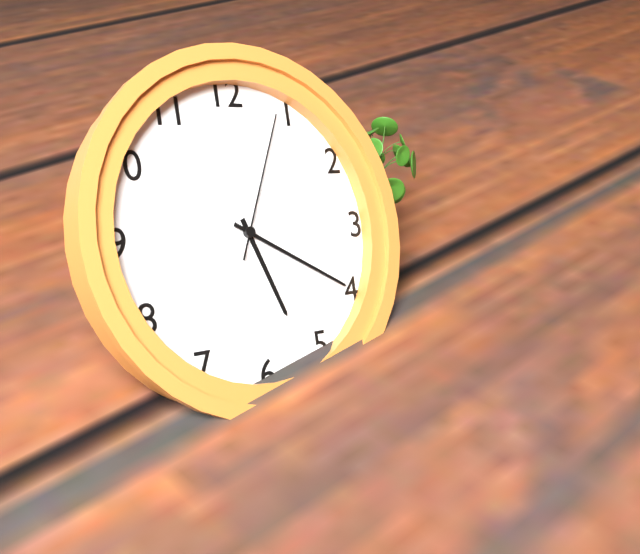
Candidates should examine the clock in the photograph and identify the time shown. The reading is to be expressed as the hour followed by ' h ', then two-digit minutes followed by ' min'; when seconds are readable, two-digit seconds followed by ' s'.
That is 5 h 20 min 04 s
